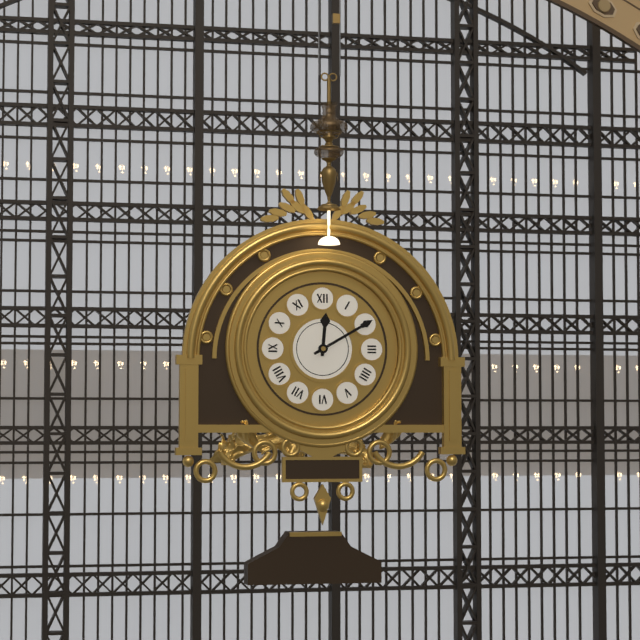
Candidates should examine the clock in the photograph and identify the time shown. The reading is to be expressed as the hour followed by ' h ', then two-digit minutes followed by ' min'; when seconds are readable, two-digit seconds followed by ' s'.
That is 12 h 10 min
